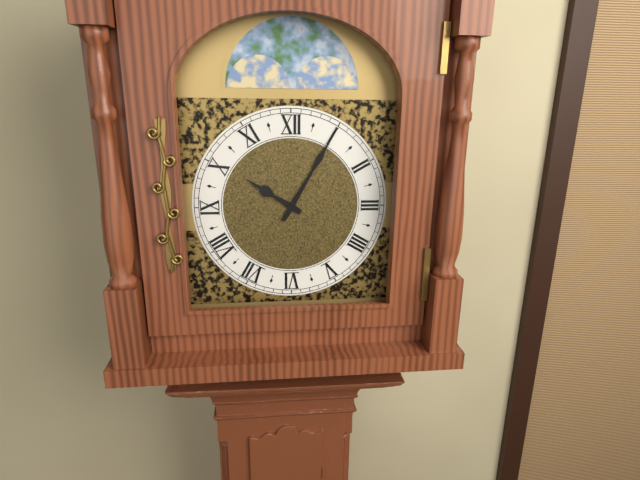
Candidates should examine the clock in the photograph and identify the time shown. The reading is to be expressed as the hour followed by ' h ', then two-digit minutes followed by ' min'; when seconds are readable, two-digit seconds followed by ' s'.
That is 10 h 05 min
